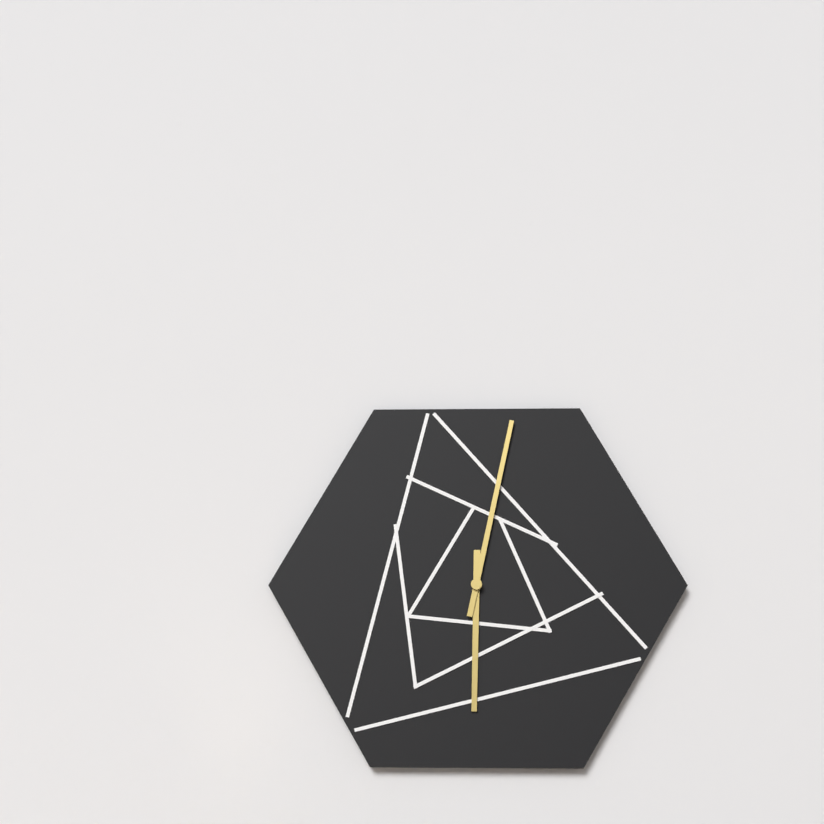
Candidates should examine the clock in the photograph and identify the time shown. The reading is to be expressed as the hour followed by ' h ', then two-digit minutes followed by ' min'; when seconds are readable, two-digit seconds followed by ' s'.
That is 6 h 02 min
